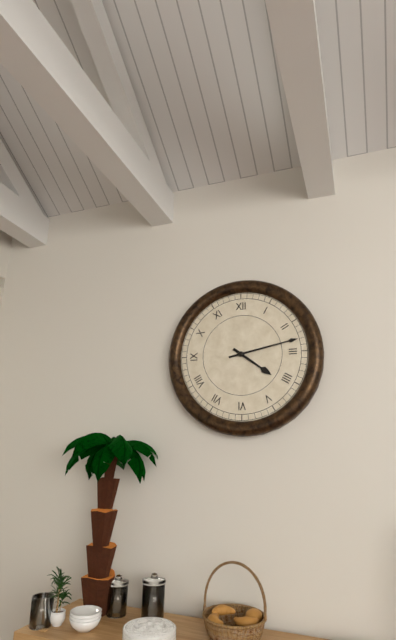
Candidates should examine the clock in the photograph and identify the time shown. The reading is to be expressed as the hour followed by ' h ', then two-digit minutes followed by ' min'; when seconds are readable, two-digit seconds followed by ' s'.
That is 4 h 13 min
